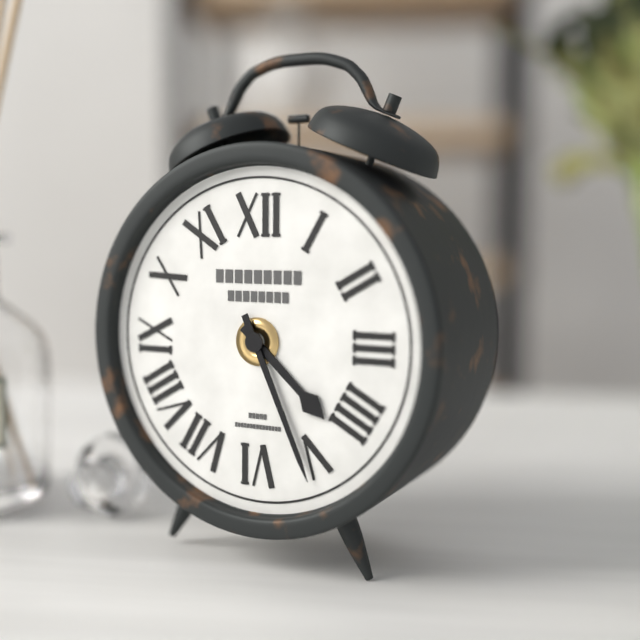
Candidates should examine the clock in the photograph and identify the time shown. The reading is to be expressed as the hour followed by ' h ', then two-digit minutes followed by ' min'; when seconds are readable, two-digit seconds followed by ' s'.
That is 4 h 26 min
